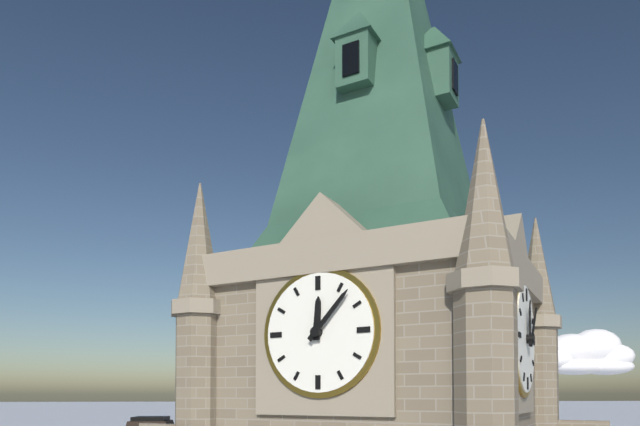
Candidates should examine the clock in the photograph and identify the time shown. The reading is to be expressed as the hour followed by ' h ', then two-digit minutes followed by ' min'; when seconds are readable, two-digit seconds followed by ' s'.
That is 12 h 07 min
